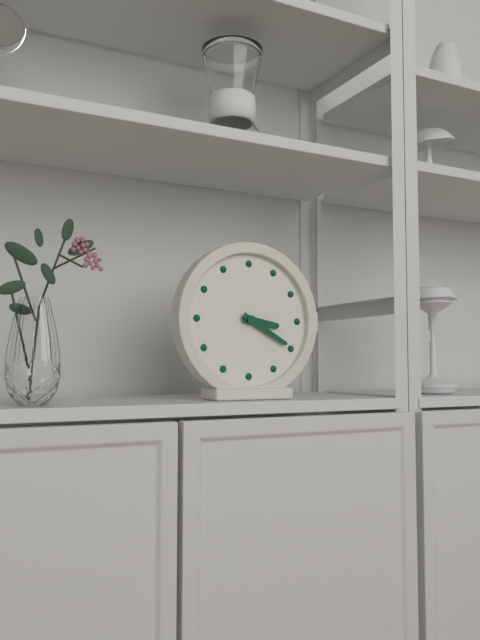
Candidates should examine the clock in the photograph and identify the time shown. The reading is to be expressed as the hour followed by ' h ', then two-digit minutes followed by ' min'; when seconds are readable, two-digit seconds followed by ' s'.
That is 3 h 20 min
